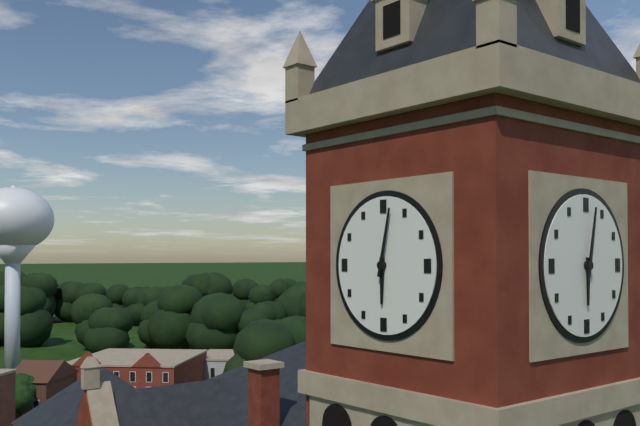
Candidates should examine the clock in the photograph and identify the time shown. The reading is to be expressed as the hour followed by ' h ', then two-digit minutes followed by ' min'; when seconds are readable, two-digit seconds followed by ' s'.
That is 6 h 02 min
